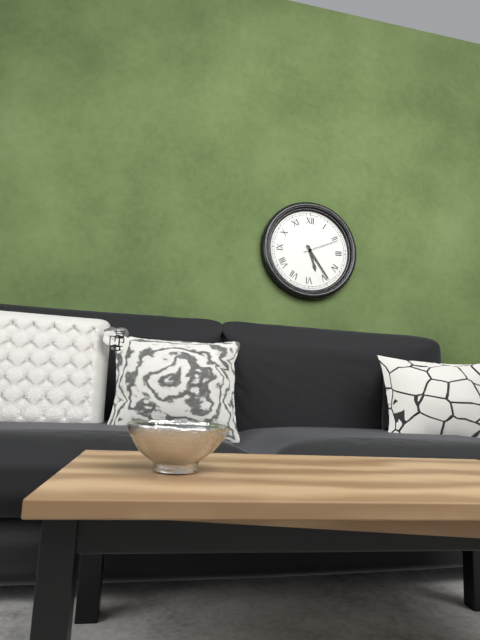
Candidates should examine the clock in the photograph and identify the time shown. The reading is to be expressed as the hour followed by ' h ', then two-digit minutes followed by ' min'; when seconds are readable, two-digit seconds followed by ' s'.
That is 5 h 24 min
